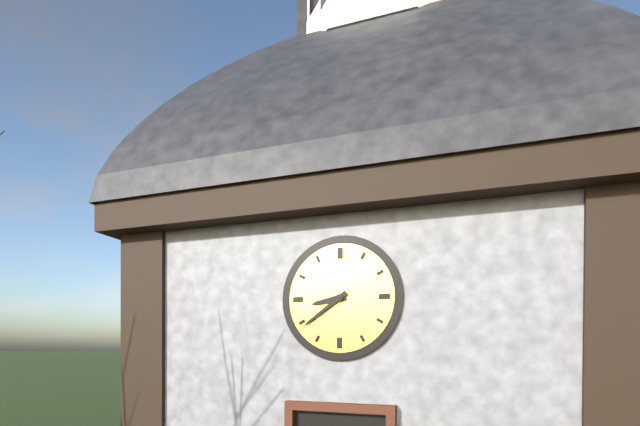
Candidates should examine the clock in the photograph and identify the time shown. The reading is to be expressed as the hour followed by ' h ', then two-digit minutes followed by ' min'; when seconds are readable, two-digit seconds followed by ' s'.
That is 8 h 39 min
